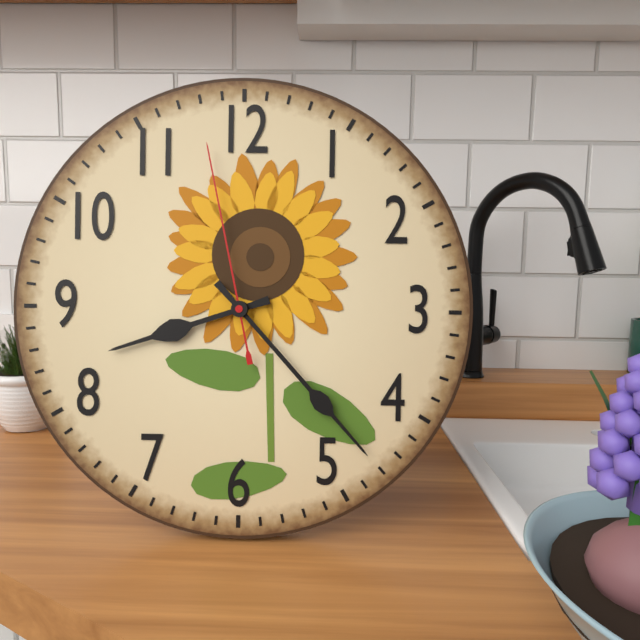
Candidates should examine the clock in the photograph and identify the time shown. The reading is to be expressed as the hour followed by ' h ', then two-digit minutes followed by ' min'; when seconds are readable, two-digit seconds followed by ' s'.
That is 8 h 23 min 58 s
